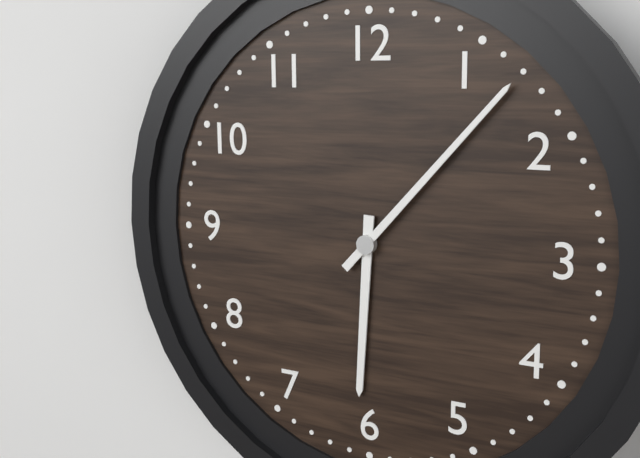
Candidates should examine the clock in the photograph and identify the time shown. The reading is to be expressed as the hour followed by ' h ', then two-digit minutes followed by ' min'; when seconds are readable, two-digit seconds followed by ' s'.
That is 6 h 07 min
